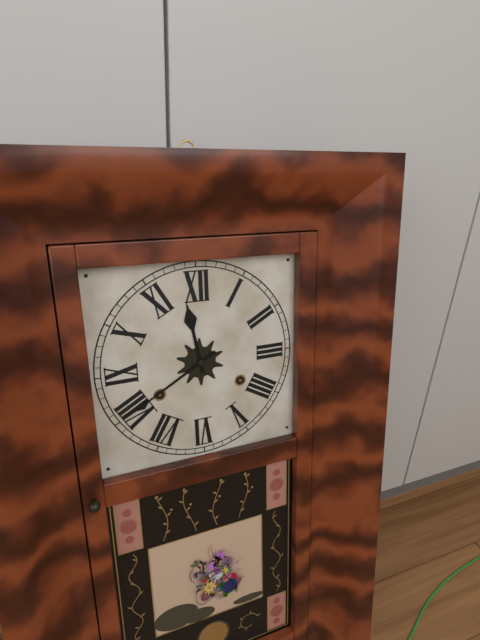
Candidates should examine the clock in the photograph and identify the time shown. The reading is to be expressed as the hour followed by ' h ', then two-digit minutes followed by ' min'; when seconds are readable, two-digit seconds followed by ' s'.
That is 11 h 40 min
